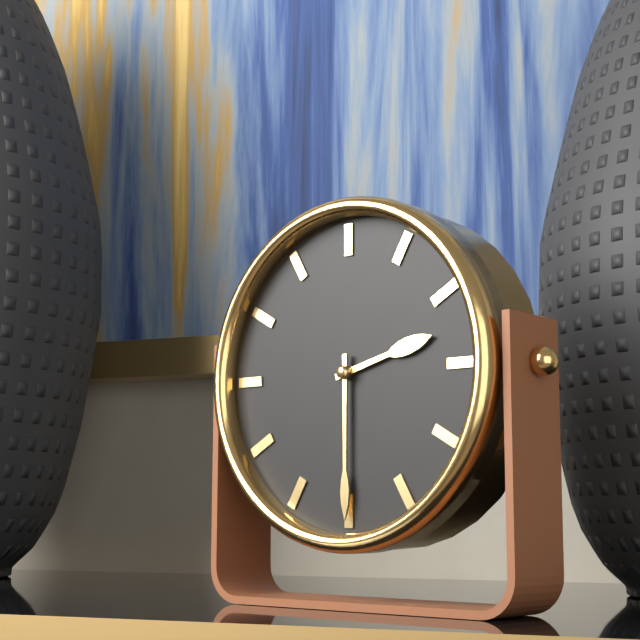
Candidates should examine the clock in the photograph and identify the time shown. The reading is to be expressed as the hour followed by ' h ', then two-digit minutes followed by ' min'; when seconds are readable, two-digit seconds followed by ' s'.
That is 2 h 30 min
